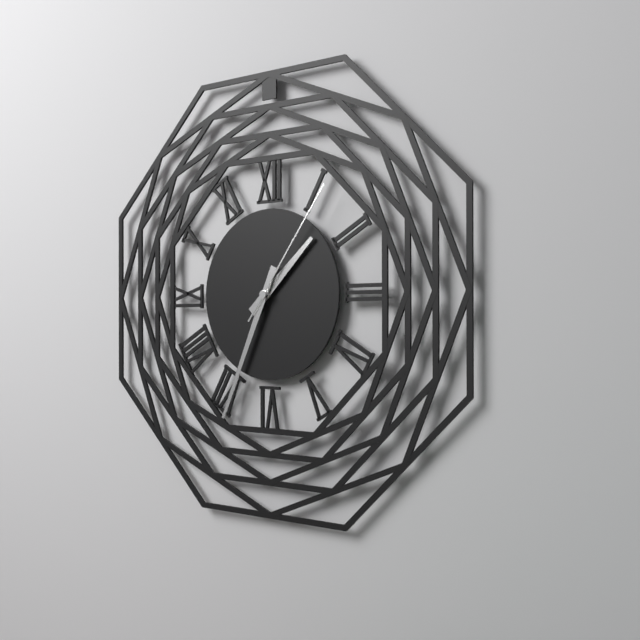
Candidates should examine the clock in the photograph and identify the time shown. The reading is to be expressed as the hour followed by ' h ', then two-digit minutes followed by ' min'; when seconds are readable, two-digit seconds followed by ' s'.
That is 1 h 34 min 06 s
